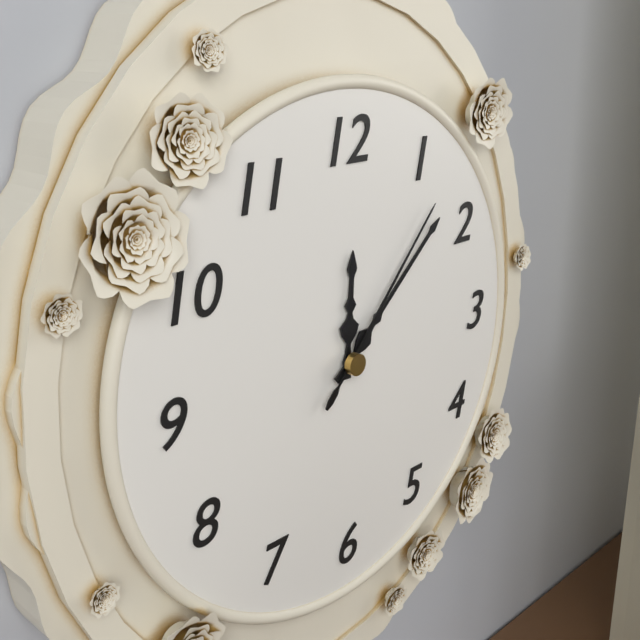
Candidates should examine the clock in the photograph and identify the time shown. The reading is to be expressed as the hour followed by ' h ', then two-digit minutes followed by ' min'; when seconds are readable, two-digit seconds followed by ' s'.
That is 12 h 08 min 07 s
